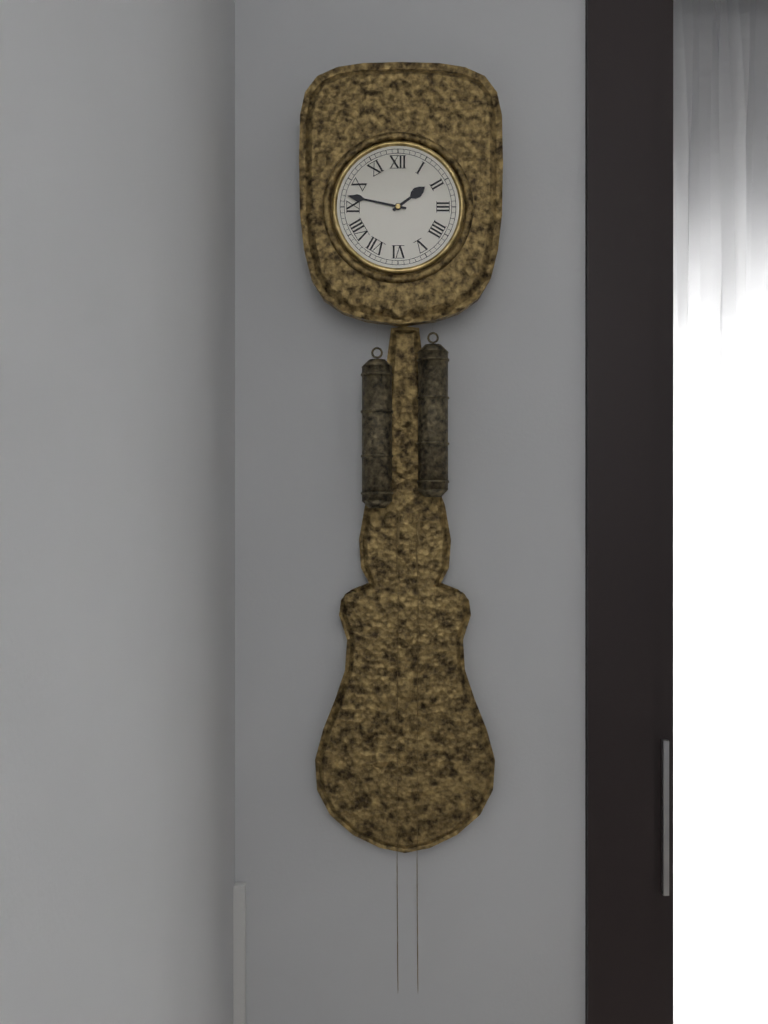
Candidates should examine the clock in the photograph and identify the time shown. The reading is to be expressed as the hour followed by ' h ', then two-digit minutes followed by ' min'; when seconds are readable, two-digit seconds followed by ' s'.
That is 1 h 47 min
